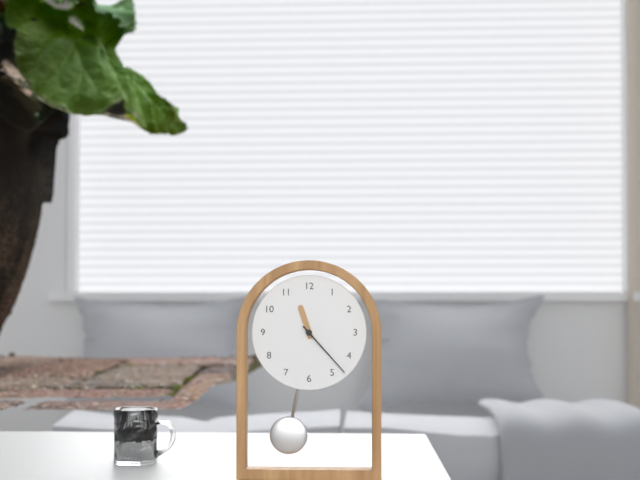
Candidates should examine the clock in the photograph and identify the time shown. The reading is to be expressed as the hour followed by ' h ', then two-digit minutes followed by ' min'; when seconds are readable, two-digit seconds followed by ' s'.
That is 11 h 23 min
